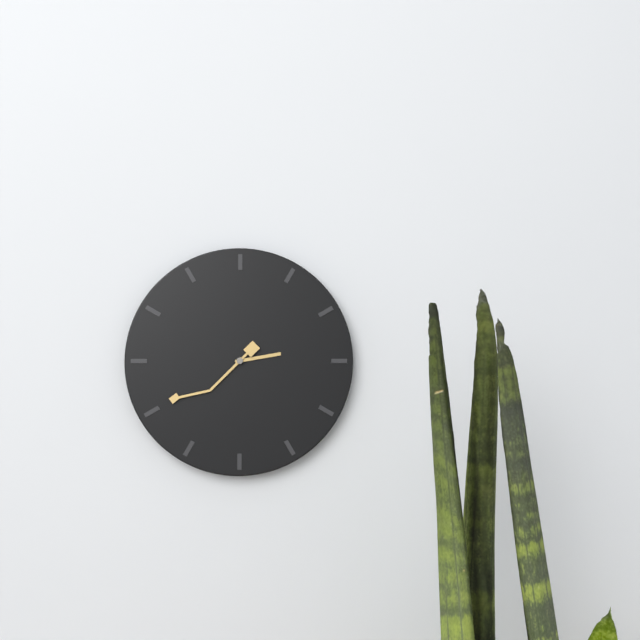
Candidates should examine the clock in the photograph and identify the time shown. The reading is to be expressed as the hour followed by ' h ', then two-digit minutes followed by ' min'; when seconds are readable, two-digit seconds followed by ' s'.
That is 2 h 40 min
